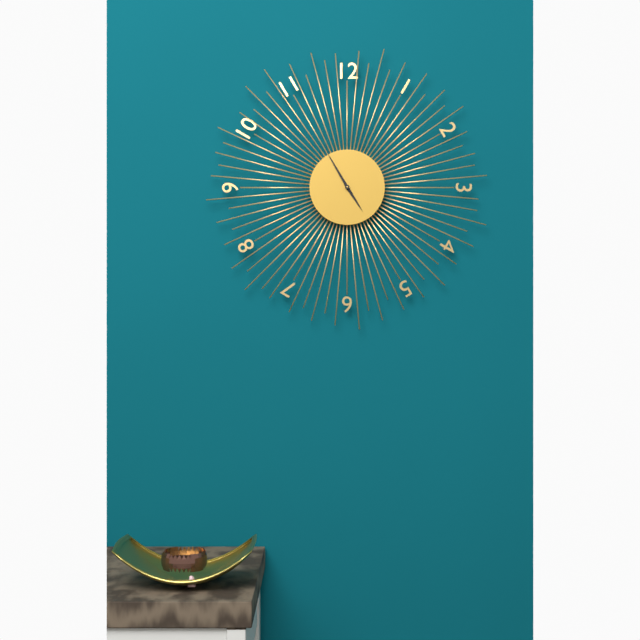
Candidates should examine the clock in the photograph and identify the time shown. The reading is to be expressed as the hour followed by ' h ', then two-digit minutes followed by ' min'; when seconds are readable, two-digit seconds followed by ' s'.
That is 4 h 55 min
